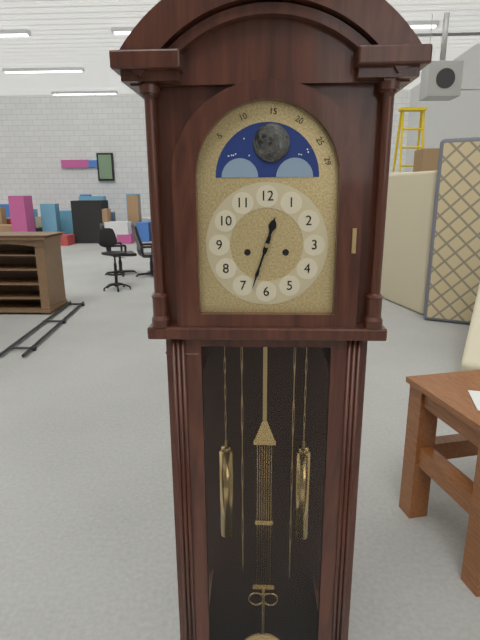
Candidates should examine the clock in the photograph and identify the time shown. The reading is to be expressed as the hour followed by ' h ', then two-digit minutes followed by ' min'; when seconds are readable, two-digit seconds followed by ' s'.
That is 12 h 33 min
